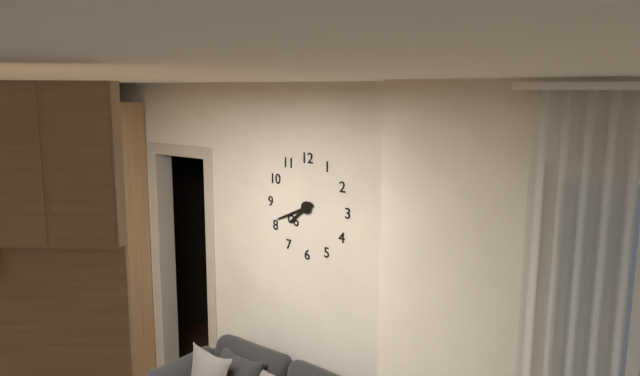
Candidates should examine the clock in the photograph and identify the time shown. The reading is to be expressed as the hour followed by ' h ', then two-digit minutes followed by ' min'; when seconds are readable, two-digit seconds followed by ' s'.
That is 7 h 41 min
